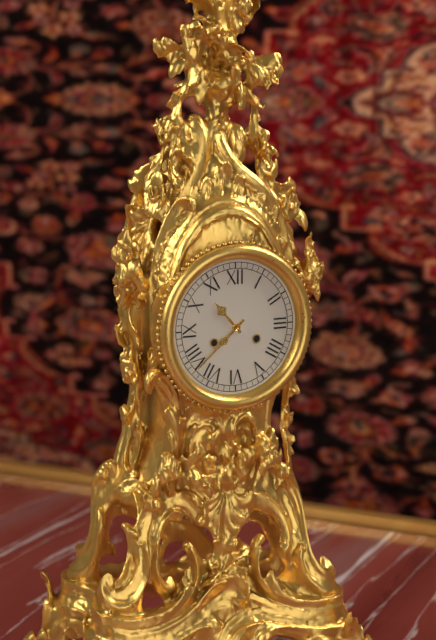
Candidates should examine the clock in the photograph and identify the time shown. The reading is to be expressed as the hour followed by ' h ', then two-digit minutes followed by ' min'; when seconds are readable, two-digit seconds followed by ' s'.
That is 10 h 38 min
